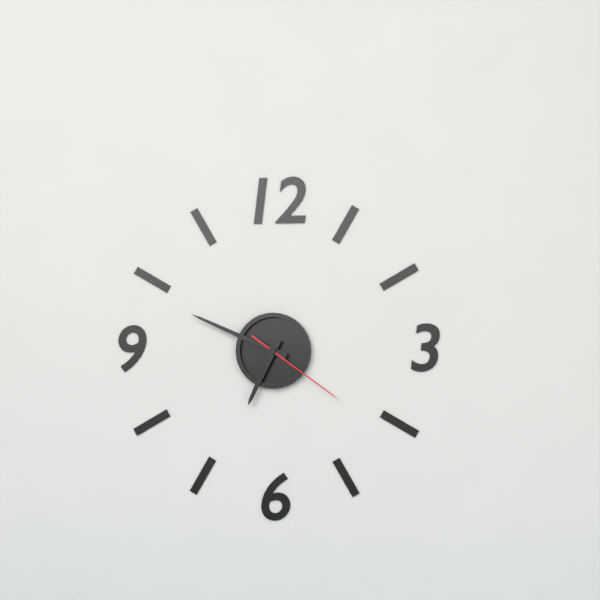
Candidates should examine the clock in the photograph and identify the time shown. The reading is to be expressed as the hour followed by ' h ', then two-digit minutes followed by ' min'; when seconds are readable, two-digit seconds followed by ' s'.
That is 6 h 49 min 21 s
